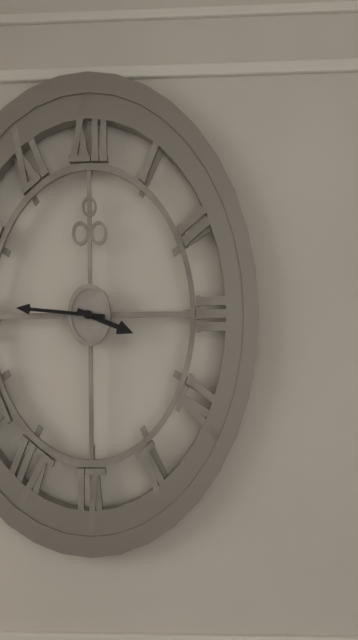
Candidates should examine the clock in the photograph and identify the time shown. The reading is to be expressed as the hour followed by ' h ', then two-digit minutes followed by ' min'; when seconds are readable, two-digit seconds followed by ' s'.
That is 3 h 46 min
